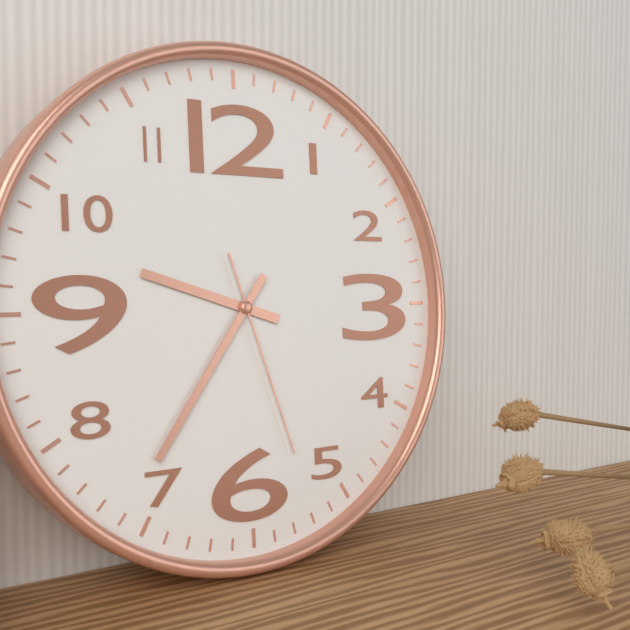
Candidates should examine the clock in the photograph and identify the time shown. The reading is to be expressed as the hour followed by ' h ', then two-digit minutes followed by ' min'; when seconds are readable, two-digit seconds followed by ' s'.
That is 9 h 36 min 27 s
